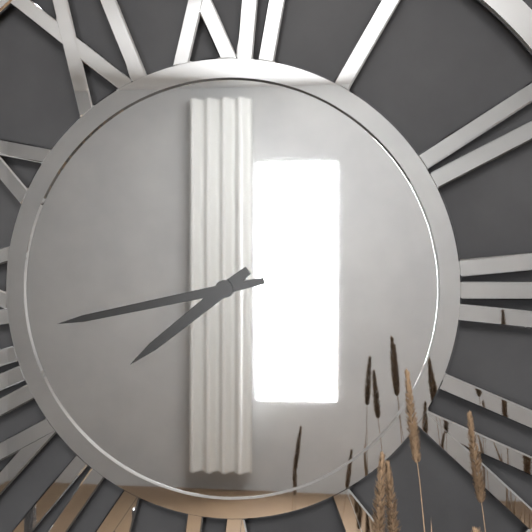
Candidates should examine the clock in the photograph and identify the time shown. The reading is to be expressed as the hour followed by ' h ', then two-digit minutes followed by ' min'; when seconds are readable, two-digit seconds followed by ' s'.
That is 7 h 43 min
